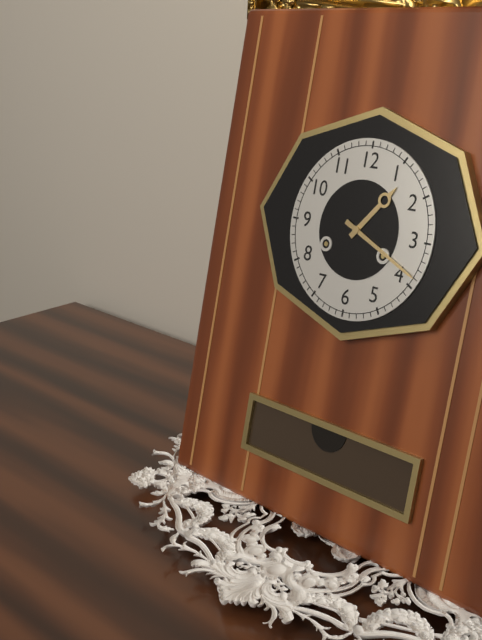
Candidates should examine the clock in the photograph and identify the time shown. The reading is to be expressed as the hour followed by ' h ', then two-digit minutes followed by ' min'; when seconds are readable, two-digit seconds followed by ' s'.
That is 1 h 19 min
